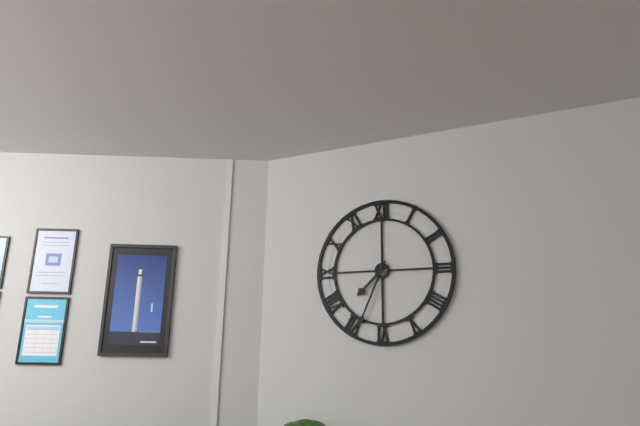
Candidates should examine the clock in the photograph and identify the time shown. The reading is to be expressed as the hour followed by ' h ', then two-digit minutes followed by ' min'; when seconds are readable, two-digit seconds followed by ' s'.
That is 7 h 34 min
